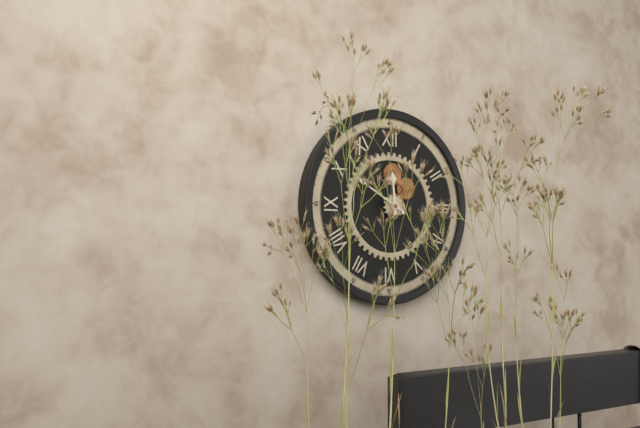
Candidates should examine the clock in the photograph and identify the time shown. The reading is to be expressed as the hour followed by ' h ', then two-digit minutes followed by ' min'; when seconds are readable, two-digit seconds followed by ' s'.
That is 11 h 50 min
